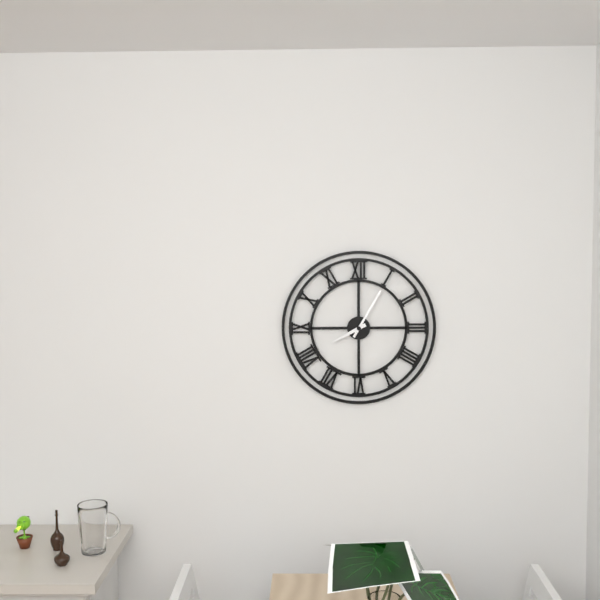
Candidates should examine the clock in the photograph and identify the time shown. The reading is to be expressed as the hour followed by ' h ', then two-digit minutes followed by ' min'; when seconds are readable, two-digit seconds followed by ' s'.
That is 8 h 05 min
